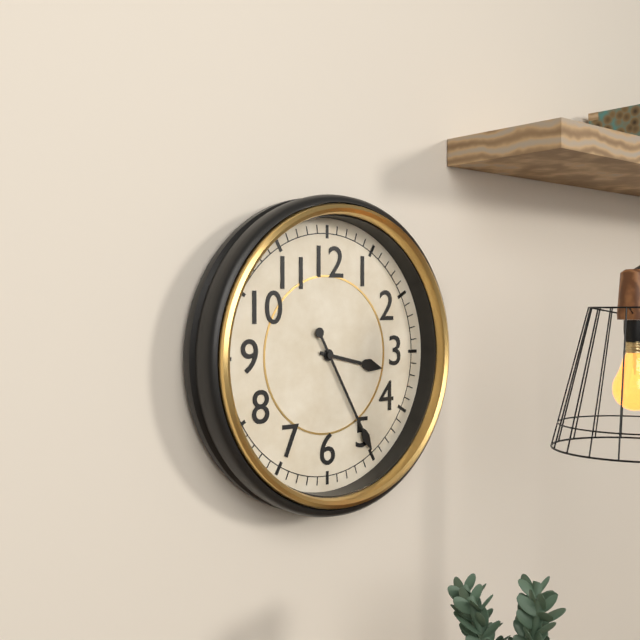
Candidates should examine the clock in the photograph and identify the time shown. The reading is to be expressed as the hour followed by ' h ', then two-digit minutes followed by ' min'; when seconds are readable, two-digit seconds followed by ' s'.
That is 3 h 25 min
